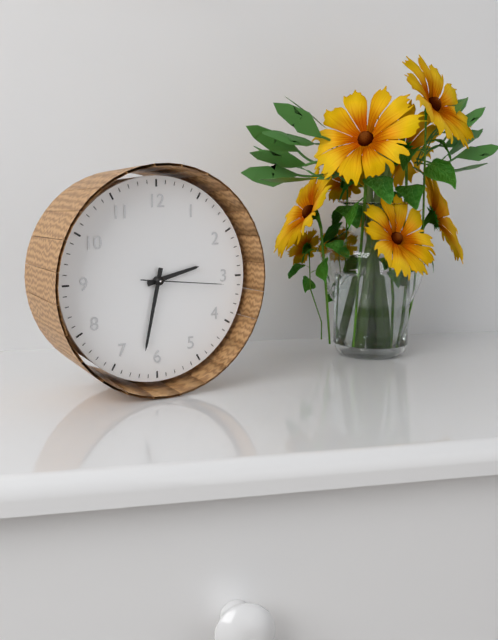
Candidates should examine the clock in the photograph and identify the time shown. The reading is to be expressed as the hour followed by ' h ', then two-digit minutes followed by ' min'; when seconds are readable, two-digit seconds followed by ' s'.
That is 2 h 32 min 16 s
